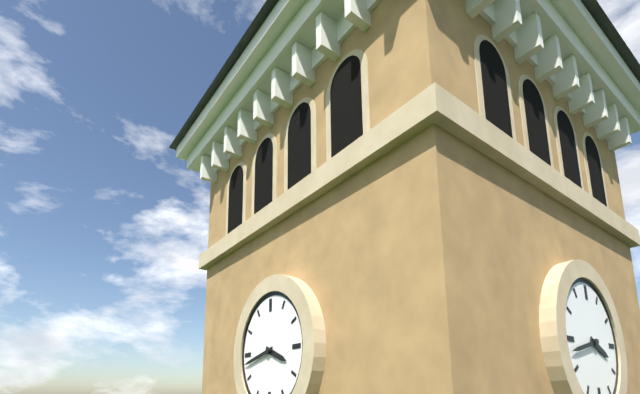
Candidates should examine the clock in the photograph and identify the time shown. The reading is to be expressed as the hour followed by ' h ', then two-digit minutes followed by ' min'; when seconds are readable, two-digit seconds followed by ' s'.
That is 3 h 43 min
